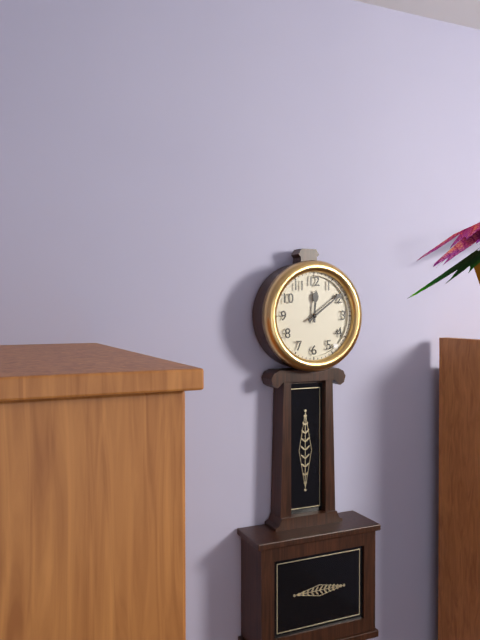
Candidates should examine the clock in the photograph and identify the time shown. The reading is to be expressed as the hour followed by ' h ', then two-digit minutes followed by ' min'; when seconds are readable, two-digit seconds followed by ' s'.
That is 12 h 09 min
